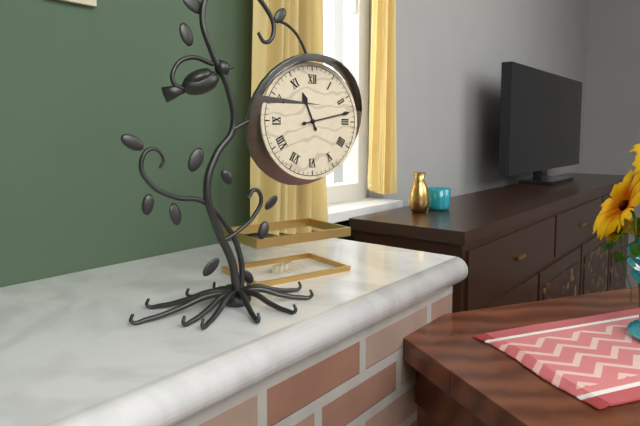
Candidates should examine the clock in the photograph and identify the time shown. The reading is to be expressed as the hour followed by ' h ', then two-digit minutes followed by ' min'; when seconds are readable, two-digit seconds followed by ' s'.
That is 11 h 13 min
